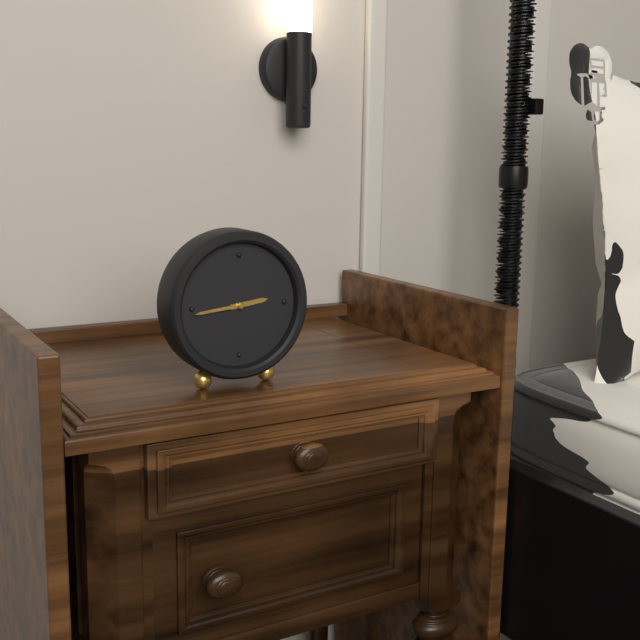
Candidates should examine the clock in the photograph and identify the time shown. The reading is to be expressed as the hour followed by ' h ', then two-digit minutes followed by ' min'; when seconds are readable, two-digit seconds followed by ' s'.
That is 2 h 44 min 44 s
